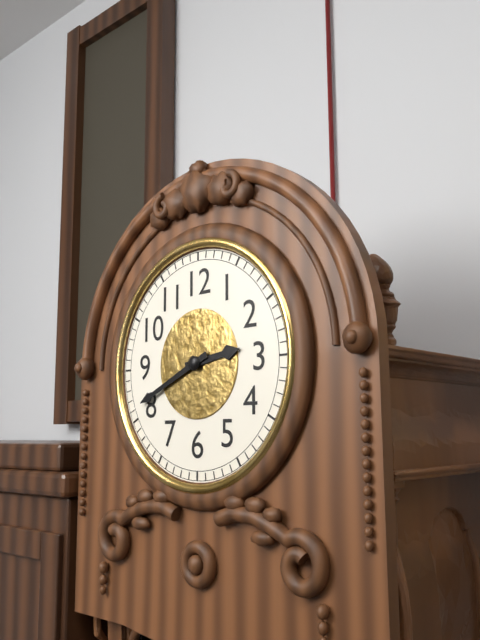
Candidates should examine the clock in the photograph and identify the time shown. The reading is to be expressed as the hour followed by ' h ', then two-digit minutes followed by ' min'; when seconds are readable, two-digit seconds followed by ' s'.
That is 2 h 41 min
